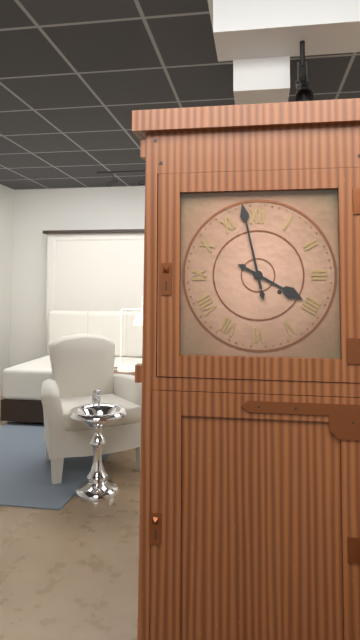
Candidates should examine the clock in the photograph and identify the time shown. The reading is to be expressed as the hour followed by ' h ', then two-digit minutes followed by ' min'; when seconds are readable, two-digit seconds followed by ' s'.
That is 3 h 58 min
